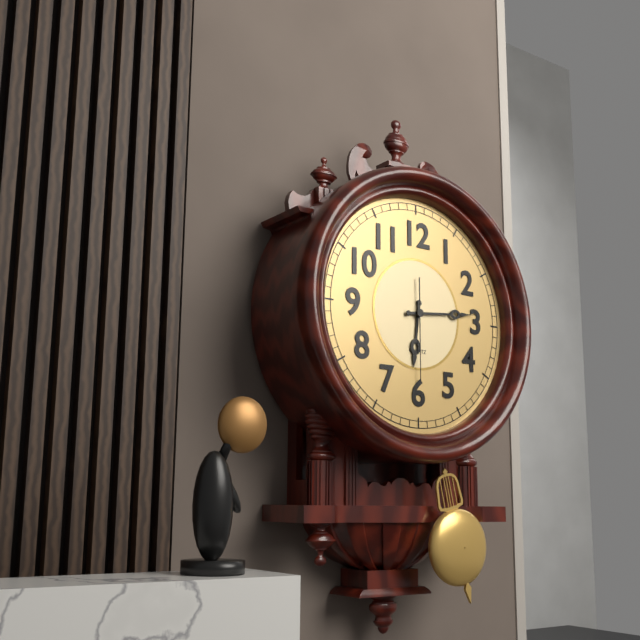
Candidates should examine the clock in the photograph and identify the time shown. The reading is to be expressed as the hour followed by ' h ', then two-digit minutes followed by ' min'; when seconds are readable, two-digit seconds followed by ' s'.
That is 6 h 14 min 30 s
